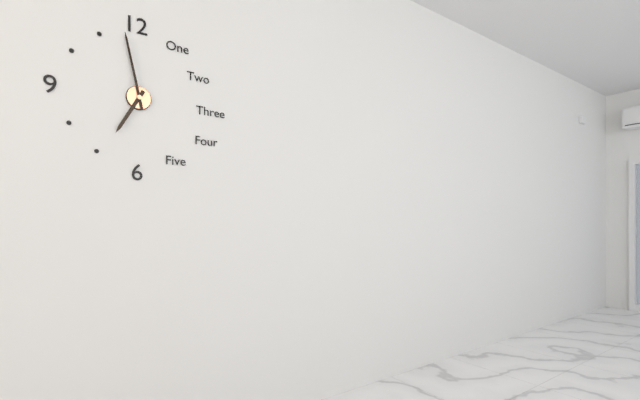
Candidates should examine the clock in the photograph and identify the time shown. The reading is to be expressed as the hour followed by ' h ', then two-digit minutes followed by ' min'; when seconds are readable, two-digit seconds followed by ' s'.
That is 6 h 58 min
